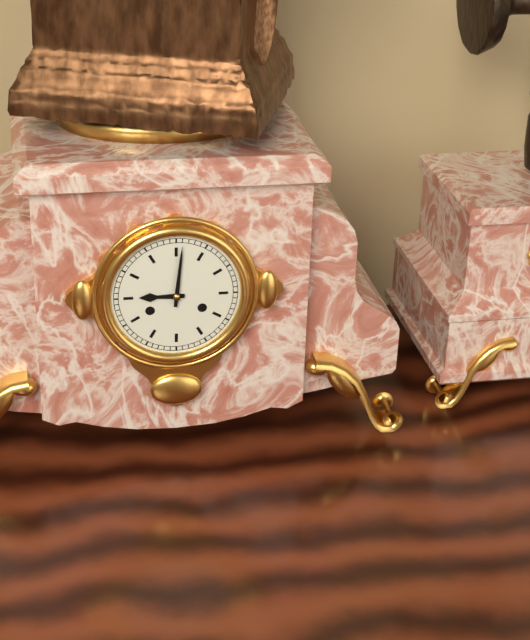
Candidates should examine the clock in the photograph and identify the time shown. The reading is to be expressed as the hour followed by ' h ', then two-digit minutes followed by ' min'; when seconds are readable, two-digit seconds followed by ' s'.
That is 9 h 01 min
